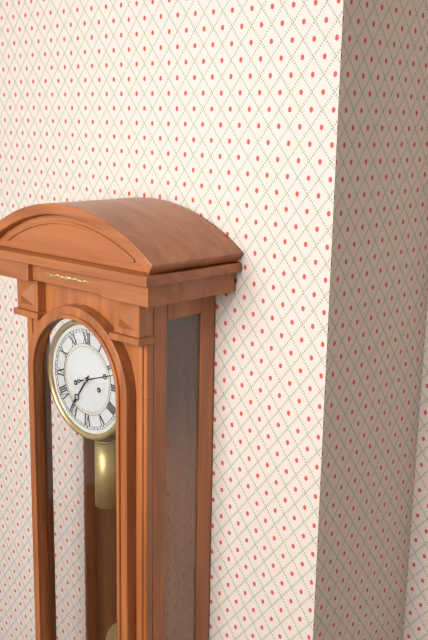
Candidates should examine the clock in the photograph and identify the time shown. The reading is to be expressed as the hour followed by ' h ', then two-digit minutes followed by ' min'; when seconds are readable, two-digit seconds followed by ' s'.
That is 7 h 12 min
